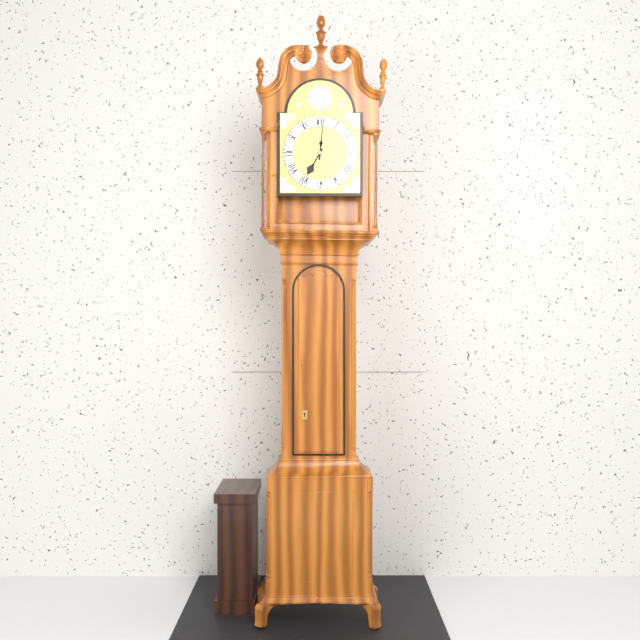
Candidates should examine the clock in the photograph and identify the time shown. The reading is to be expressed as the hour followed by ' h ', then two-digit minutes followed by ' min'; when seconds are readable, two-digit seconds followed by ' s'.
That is 7 h 01 min
